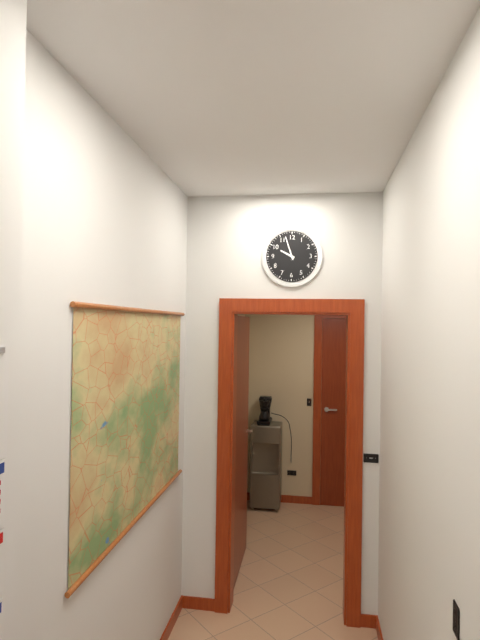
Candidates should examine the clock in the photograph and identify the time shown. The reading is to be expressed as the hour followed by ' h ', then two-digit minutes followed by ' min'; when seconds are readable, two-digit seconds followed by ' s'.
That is 9 h 57 min
